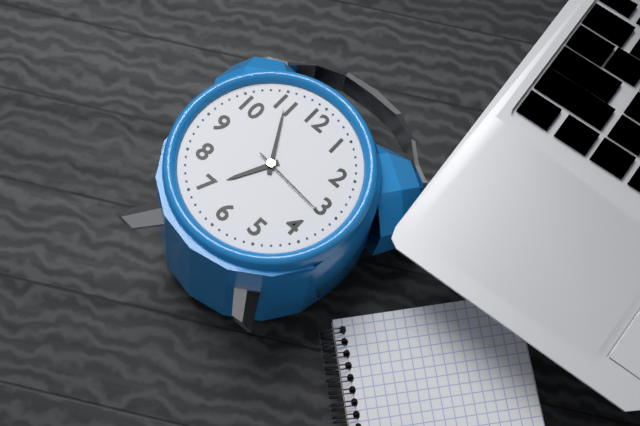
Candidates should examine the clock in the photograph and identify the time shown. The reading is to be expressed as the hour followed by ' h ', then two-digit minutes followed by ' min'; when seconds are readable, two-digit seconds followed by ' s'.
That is 6 h 55 min 16 s
